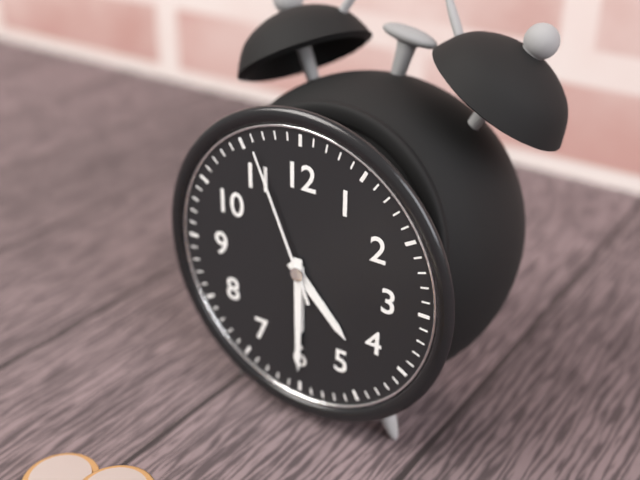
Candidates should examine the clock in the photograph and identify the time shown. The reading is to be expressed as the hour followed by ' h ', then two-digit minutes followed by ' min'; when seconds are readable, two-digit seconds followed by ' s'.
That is 4 h 30 min 56 s
